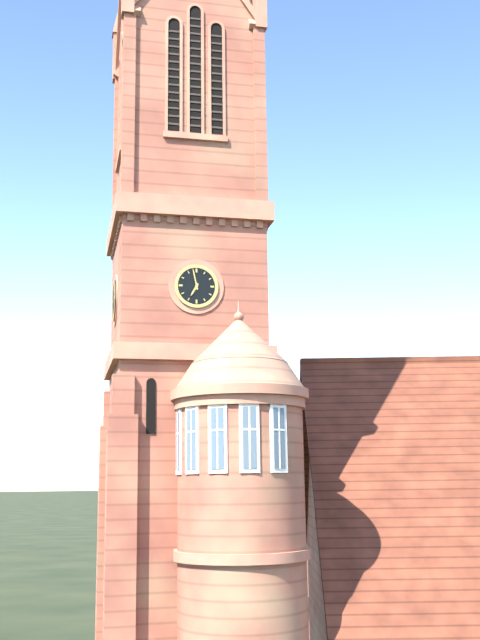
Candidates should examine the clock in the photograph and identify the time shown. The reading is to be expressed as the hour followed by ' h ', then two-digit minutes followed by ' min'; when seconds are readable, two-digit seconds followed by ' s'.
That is 6 h 58 min
